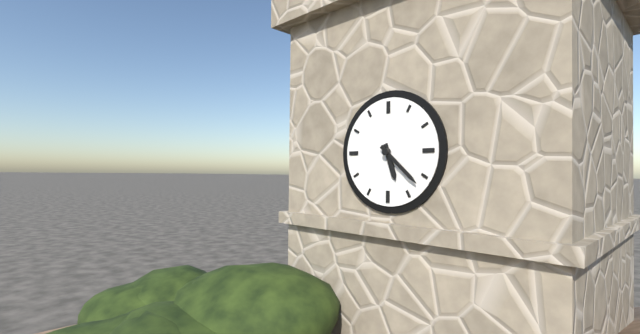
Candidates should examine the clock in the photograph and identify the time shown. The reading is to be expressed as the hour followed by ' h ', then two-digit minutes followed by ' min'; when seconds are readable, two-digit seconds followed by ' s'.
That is 5 h 22 min
